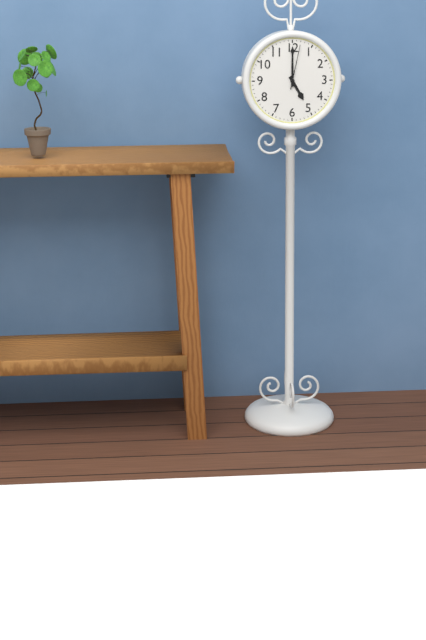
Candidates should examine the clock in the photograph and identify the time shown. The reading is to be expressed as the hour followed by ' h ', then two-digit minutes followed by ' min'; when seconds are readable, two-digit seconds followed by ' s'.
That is 5 h 00 min
